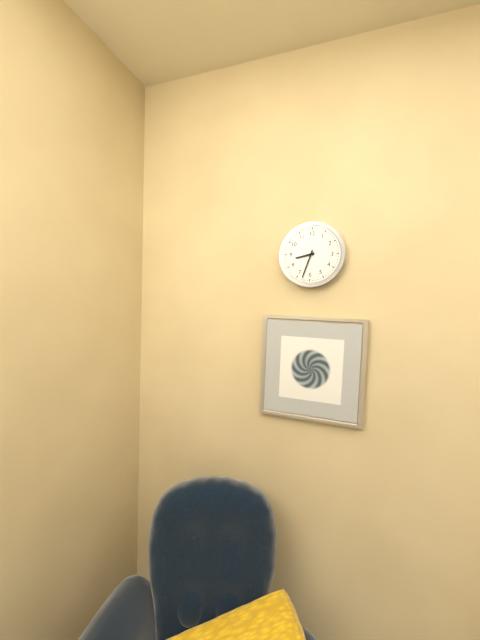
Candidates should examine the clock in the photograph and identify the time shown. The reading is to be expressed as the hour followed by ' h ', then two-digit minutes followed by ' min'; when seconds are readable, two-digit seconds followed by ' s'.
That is 8 h 33 min
